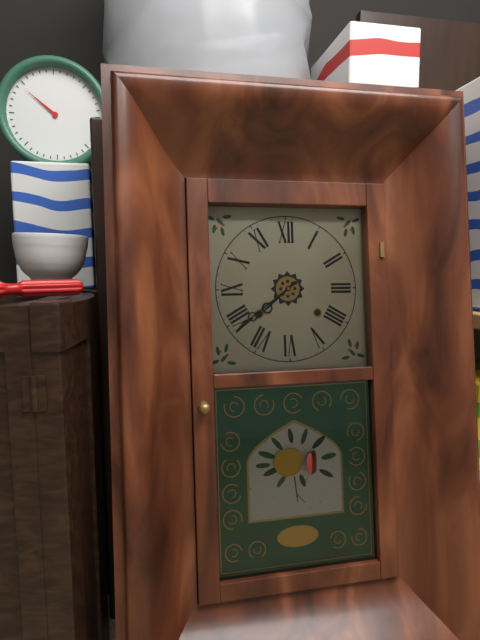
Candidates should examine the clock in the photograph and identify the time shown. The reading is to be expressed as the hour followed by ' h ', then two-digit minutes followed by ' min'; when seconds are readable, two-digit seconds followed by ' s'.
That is 7 h 39 min
